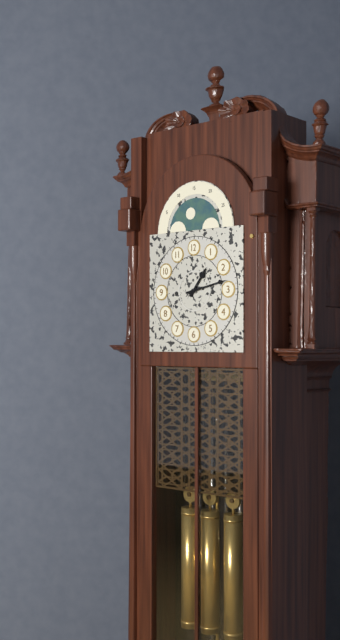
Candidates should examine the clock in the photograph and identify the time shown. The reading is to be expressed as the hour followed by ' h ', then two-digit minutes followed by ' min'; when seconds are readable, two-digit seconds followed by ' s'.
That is 1 h 13 min
